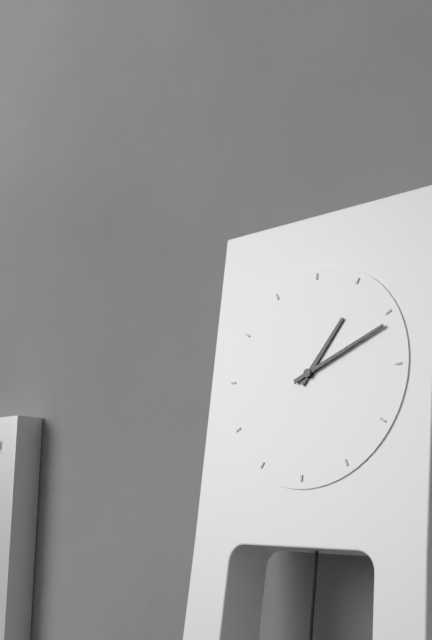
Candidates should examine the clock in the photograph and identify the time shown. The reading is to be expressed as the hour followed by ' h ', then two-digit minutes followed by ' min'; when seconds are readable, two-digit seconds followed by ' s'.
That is 1 h 11 min
